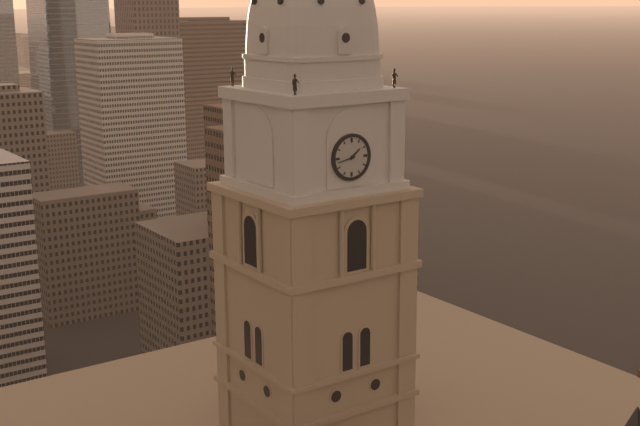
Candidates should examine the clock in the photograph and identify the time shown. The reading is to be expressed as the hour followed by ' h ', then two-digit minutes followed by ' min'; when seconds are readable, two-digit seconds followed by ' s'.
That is 1 h 43 min
